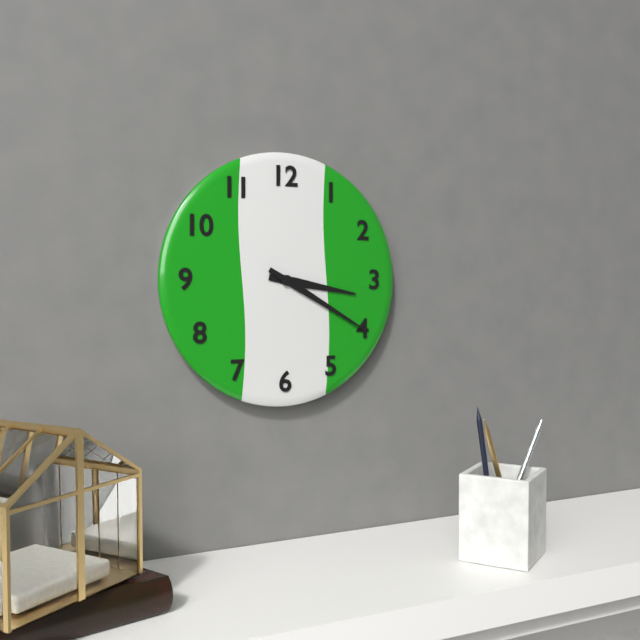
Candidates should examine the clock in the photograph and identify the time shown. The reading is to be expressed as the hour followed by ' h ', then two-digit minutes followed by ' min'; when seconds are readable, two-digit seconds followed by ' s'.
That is 3 h 20 min
